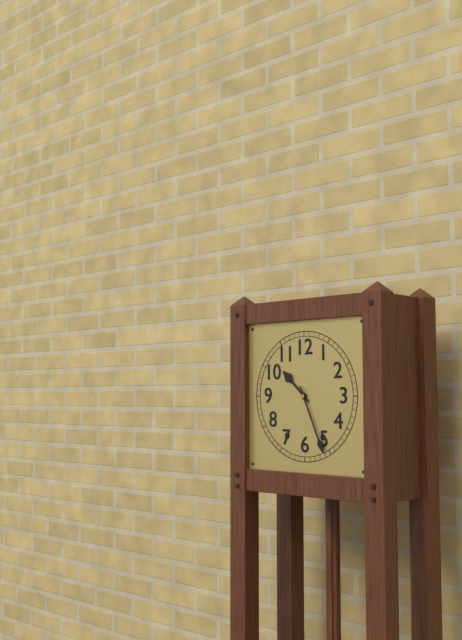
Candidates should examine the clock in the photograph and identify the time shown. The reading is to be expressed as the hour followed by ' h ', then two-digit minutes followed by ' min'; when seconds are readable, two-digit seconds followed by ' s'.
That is 10 h 26 min
